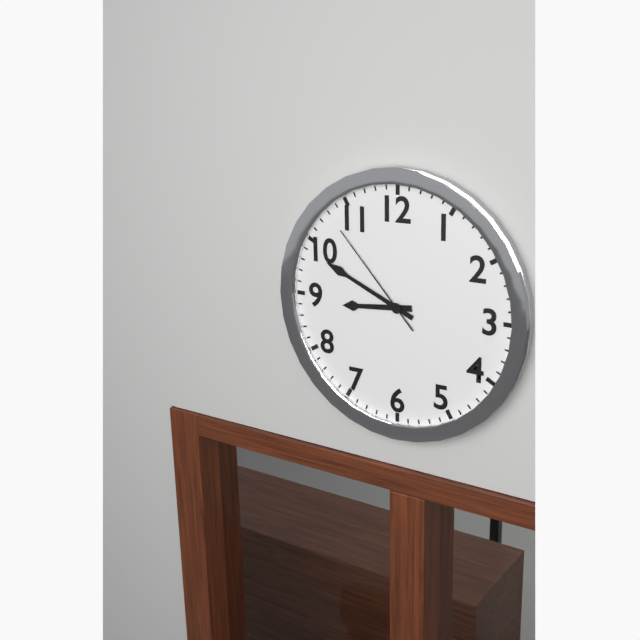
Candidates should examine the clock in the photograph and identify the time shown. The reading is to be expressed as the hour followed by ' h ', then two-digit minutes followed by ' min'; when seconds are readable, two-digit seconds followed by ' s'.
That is 8 h 49 min 53 s
